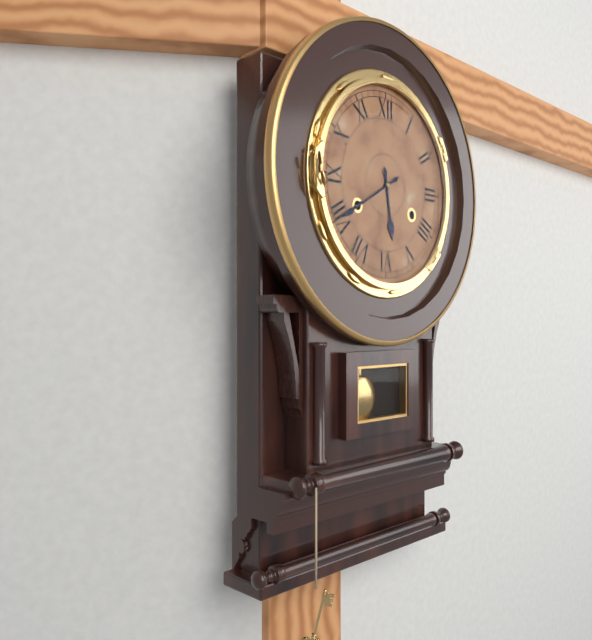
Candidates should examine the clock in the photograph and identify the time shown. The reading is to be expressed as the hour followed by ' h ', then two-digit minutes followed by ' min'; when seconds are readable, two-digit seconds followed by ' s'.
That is 5 h 40 min
